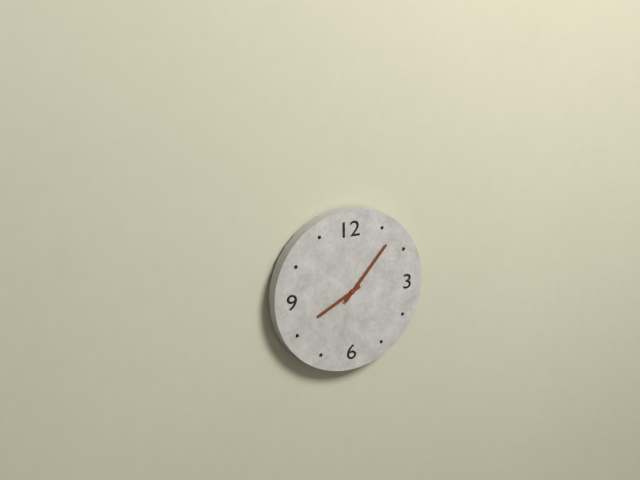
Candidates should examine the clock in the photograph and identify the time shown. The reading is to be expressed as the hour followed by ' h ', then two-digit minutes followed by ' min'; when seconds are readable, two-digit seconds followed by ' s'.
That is 8 h 07 min
